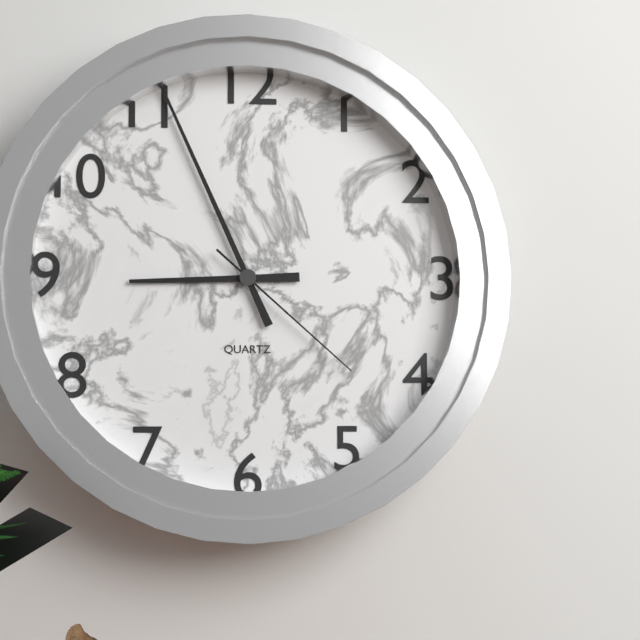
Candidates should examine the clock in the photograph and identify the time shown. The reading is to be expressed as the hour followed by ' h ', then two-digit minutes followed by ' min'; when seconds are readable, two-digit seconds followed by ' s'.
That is 8 h 56 min 22 s
